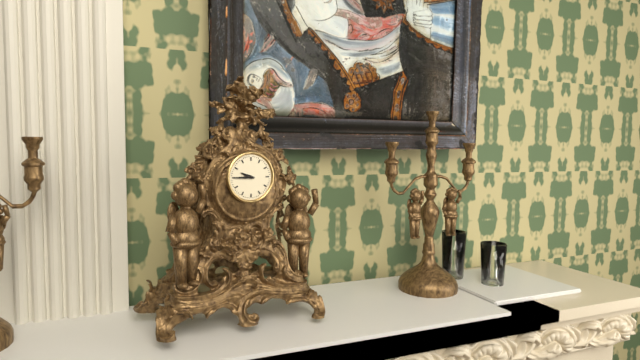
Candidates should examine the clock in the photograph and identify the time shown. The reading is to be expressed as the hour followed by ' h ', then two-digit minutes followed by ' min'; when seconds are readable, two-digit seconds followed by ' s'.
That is 9 h 45 min
